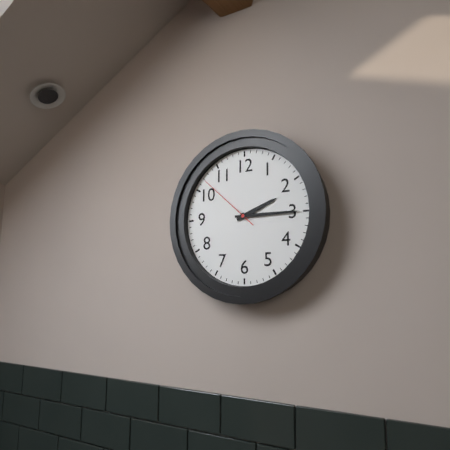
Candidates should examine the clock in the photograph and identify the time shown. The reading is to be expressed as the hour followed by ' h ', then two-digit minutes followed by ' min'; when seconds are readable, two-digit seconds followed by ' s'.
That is 2 h 15 min 52 s
